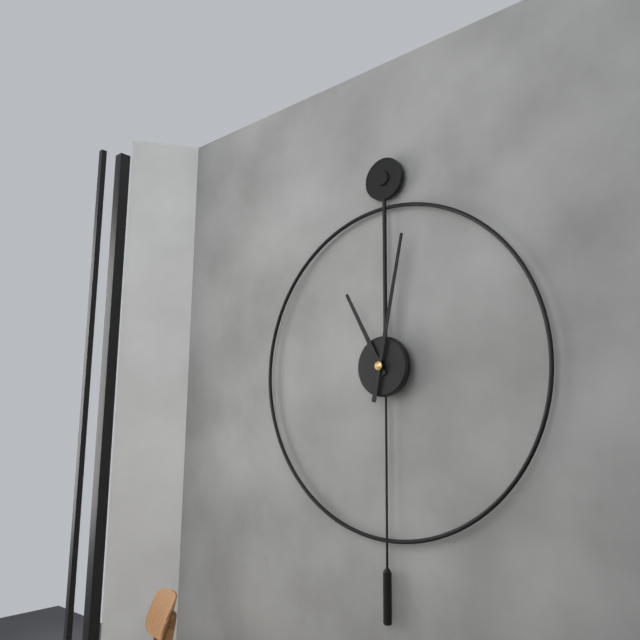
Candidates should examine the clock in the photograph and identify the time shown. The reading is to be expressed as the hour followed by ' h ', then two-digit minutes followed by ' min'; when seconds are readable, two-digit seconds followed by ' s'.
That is 11 h 02 min
